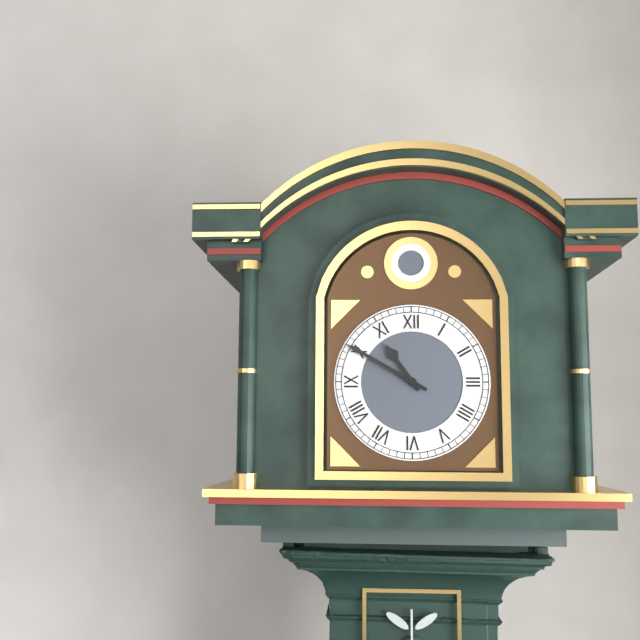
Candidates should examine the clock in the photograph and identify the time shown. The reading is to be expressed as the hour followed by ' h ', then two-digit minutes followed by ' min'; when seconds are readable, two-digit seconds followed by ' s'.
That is 10 h 50 min
